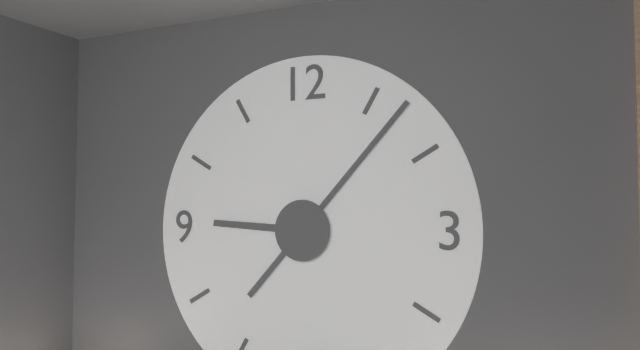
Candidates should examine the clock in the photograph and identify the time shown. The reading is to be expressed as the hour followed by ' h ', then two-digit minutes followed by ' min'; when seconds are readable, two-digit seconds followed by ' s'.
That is 9 h 07 min
